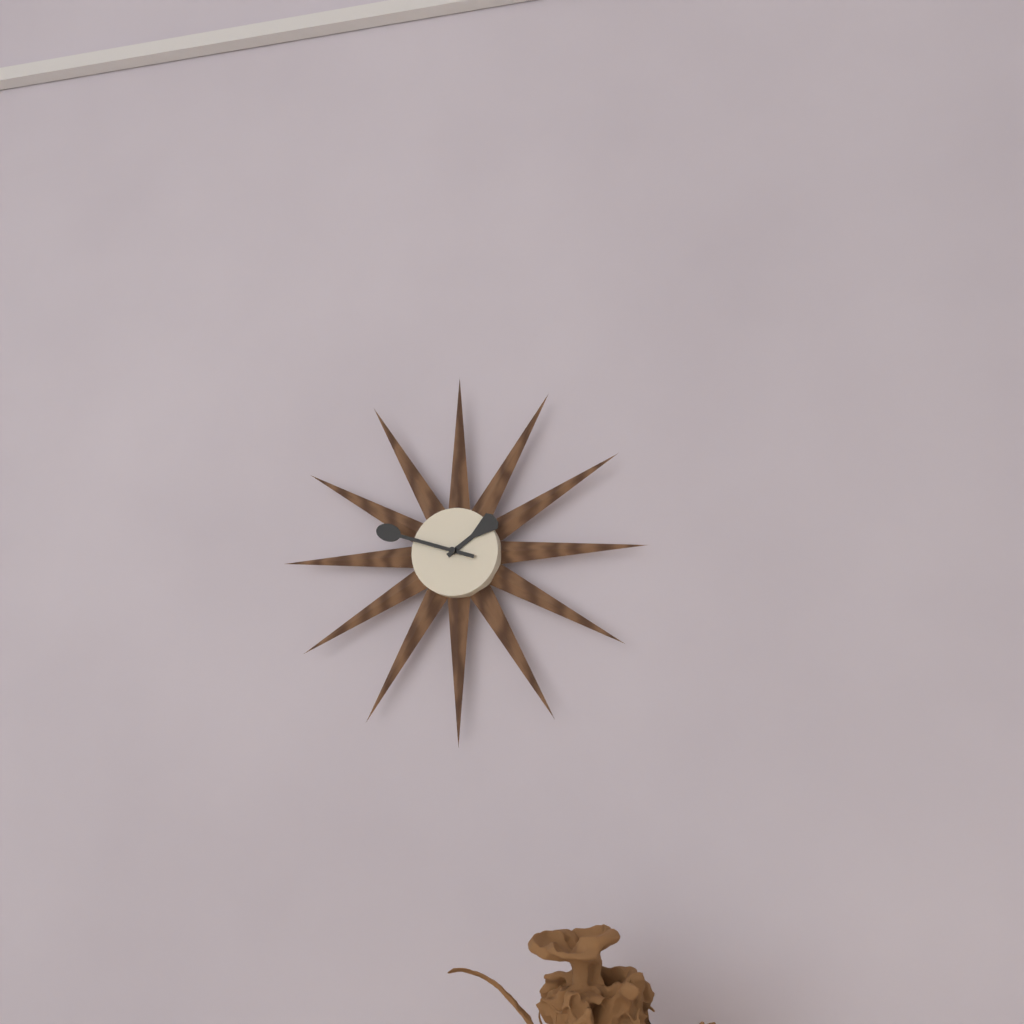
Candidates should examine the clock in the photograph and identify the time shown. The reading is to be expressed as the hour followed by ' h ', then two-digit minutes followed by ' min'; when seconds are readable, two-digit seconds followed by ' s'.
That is 1 h 48 min
